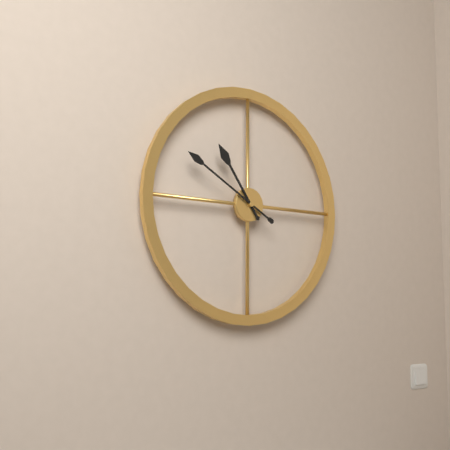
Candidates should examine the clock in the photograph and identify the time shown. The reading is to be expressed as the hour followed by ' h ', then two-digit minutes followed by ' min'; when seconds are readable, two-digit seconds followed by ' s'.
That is 10 h 50 min
